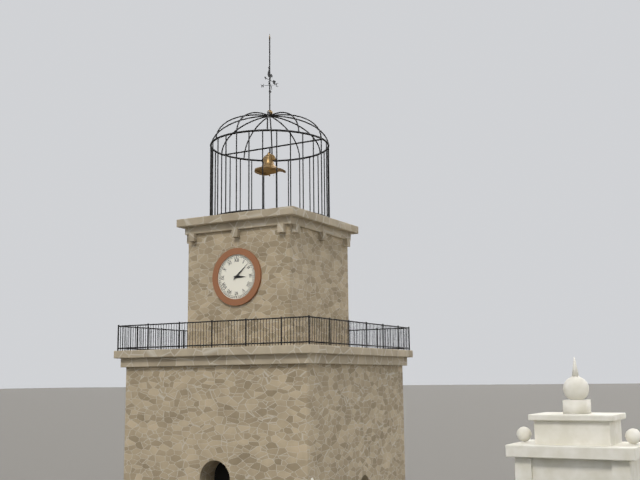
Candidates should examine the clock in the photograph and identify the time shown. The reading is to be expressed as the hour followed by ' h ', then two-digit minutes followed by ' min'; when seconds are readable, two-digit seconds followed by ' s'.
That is 3 h 08 min
